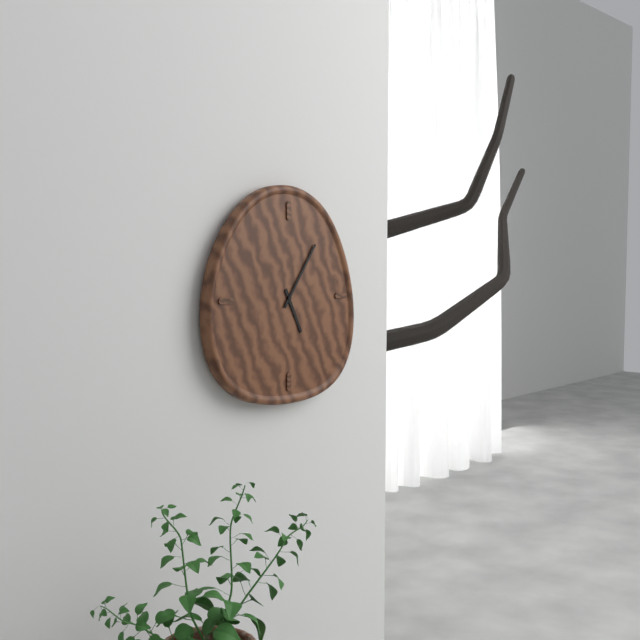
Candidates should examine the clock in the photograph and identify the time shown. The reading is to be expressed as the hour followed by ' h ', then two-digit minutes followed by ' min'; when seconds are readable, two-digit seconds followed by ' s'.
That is 5 h 06 min
